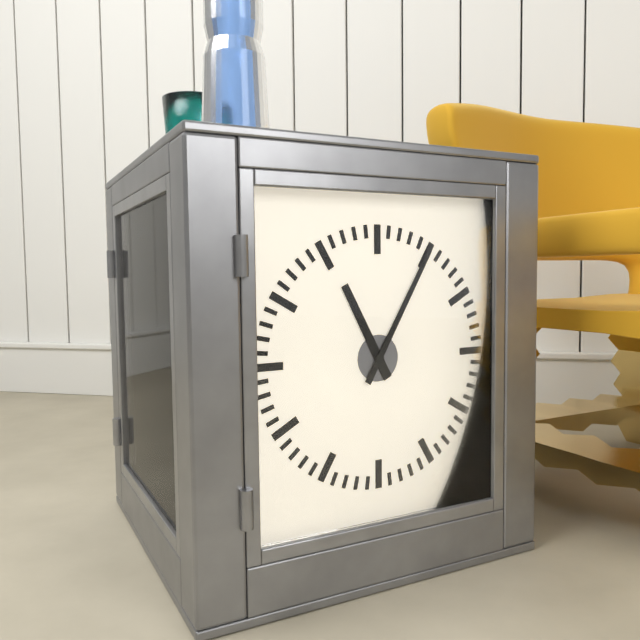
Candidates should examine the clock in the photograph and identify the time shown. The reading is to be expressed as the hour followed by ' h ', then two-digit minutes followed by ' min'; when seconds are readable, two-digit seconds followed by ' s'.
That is 11 h 05 min
